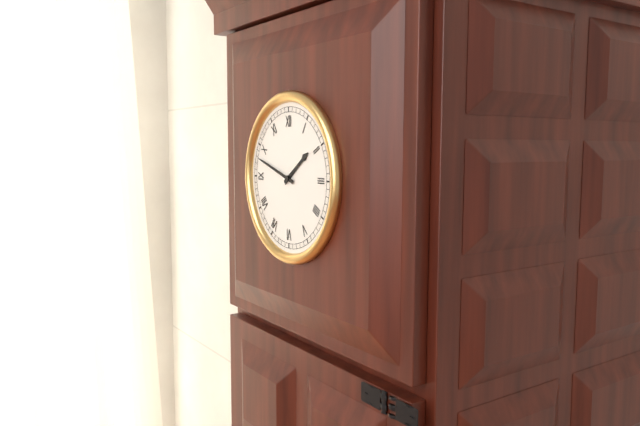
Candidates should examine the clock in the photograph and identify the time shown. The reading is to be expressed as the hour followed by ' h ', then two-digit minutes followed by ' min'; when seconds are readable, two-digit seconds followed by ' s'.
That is 1 h 48 min
